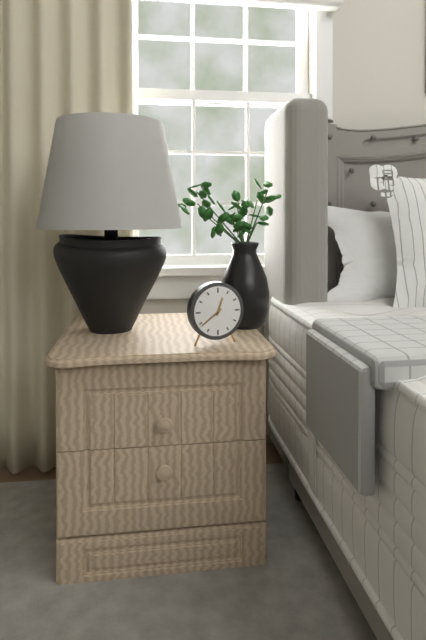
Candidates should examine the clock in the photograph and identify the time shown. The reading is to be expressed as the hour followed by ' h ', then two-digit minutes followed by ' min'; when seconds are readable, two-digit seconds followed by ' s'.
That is 12 h 39 min
